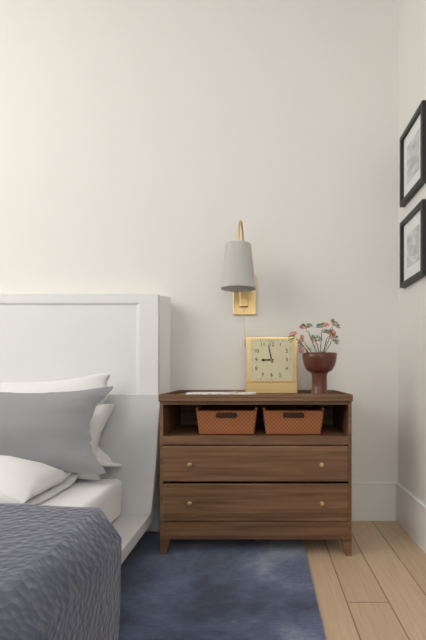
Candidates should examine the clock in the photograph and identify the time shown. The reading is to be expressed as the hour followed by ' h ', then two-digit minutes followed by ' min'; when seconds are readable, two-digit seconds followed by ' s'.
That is 8 h 58 min
